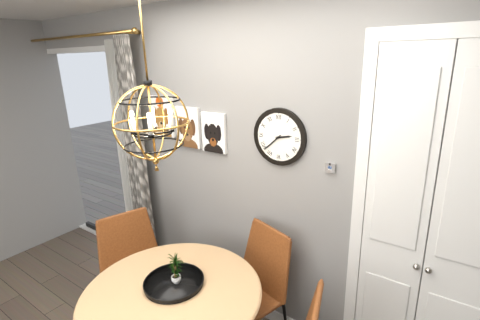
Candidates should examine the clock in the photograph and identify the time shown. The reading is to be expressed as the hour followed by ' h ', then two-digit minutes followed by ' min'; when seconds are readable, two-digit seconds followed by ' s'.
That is 2 h 38 min
